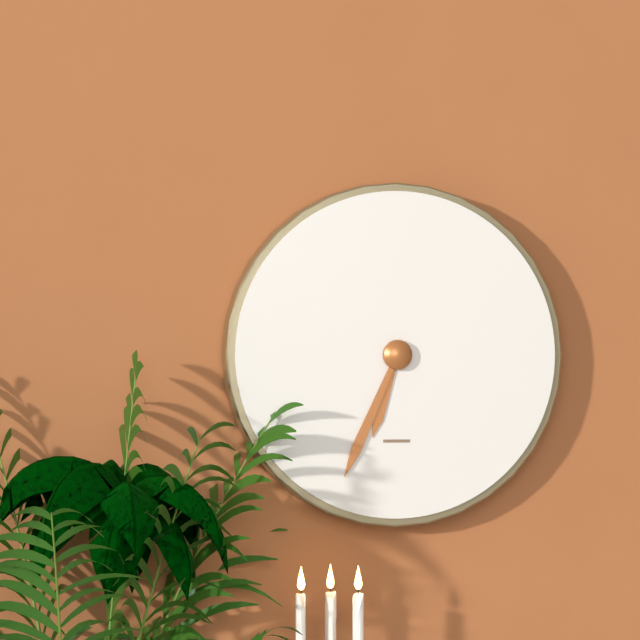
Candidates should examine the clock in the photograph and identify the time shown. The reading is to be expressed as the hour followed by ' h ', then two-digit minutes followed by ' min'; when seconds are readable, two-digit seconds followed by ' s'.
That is 6 h 34 min
